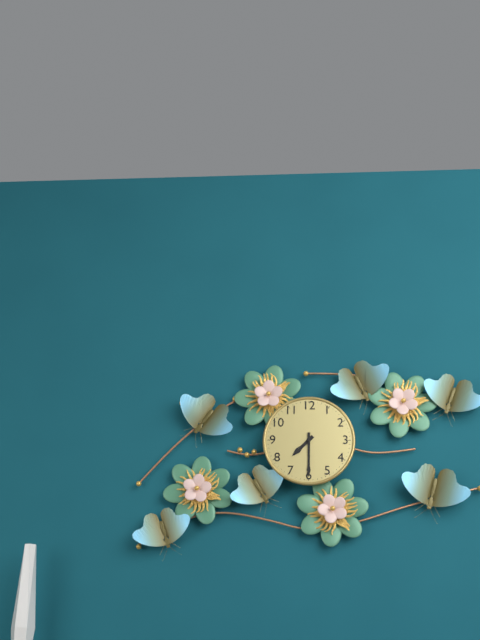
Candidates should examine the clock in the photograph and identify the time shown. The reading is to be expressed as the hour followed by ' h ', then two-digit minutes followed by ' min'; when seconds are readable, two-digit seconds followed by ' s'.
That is 7 h 30 min
